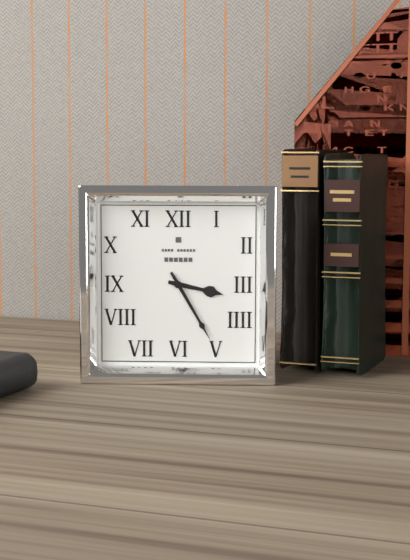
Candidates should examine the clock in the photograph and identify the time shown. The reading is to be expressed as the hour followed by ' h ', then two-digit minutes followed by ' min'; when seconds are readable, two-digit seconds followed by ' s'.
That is 3 h 25 min
